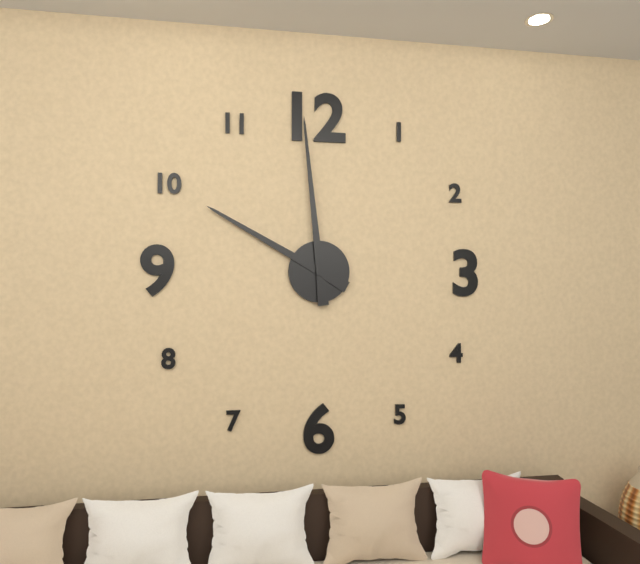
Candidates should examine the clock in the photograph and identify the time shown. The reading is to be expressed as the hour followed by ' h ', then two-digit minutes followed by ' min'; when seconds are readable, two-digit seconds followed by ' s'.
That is 9 h 59 min
